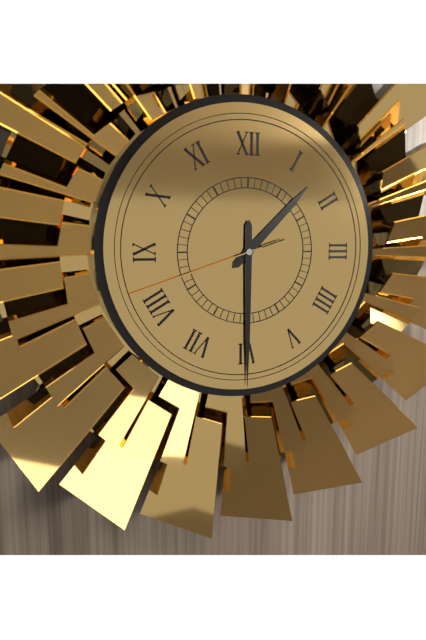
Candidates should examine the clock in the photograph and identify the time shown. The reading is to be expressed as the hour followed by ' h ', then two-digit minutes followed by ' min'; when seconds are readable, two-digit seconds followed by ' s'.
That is 1 h 30 min 42 s
